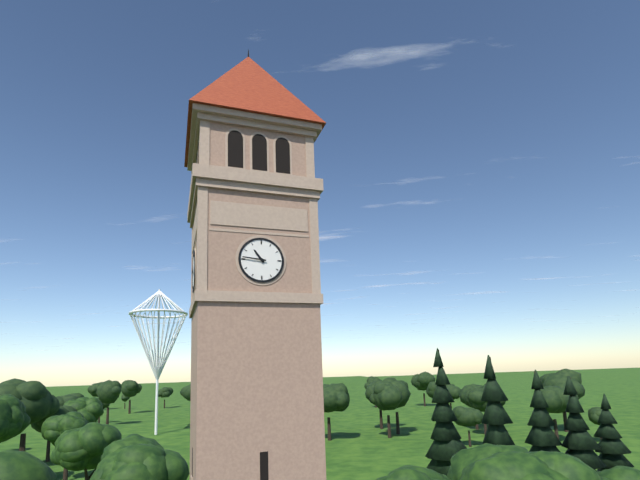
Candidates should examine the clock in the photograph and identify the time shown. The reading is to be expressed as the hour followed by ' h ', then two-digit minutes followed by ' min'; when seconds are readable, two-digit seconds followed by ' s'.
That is 10 h 46 min
